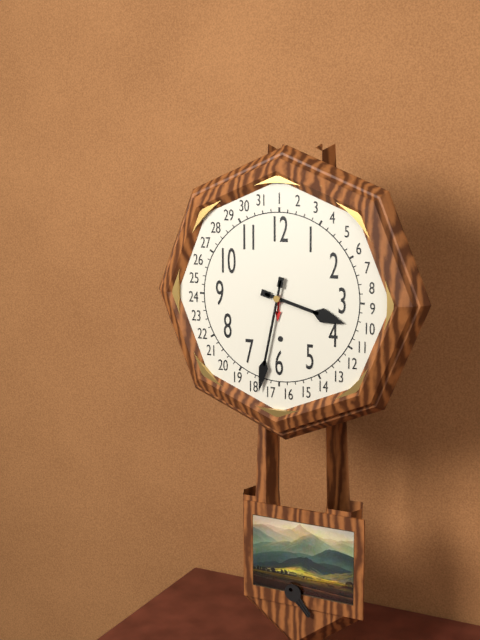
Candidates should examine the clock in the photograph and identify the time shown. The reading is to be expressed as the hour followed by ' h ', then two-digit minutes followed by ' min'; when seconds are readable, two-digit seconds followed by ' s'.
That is 3 h 32 min
